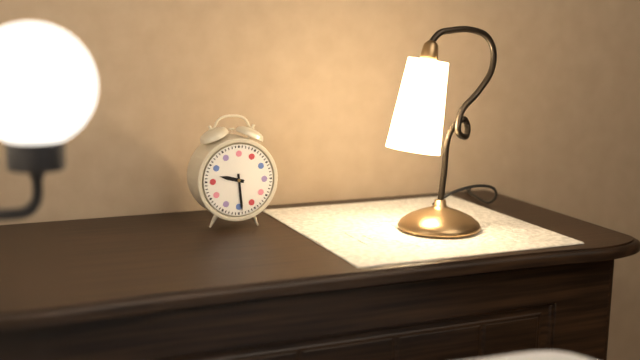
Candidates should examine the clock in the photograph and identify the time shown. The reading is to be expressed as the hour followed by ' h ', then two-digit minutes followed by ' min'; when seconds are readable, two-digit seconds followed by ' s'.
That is 9 h 29 min
